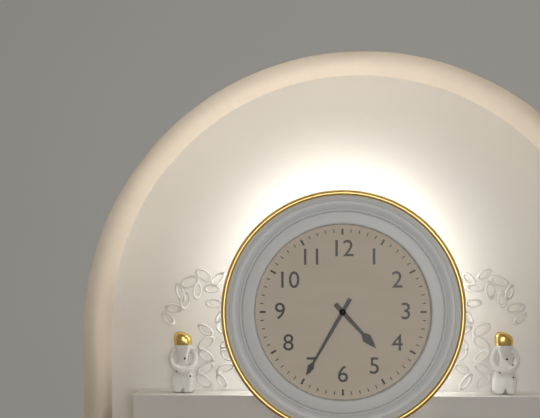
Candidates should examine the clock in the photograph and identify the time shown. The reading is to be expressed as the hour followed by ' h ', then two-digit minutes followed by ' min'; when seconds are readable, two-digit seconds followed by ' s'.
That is 4 h 35 min
